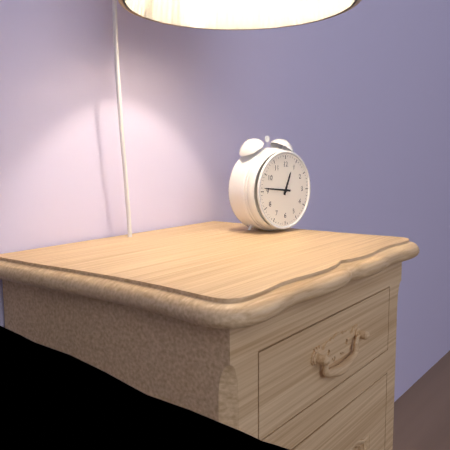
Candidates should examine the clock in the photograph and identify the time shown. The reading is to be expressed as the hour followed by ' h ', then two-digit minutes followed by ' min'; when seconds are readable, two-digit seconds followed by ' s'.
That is 12 h 46 min
